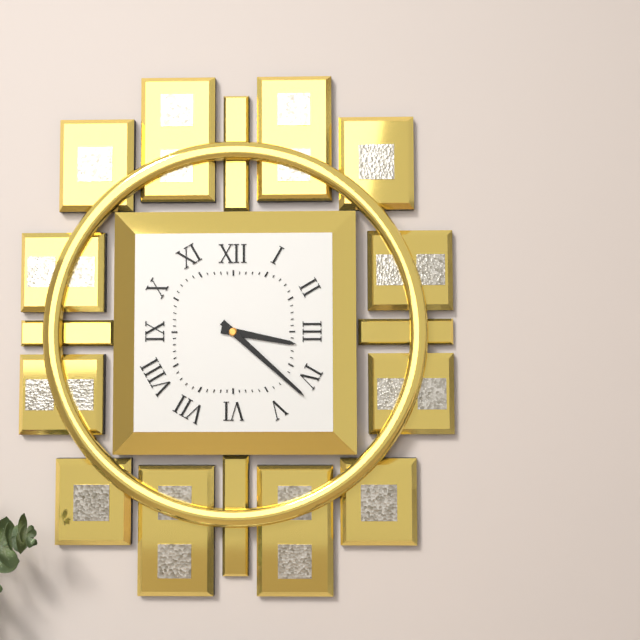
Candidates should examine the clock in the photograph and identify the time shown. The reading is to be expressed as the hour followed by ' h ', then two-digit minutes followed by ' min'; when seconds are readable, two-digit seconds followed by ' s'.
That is 3 h 22 min
